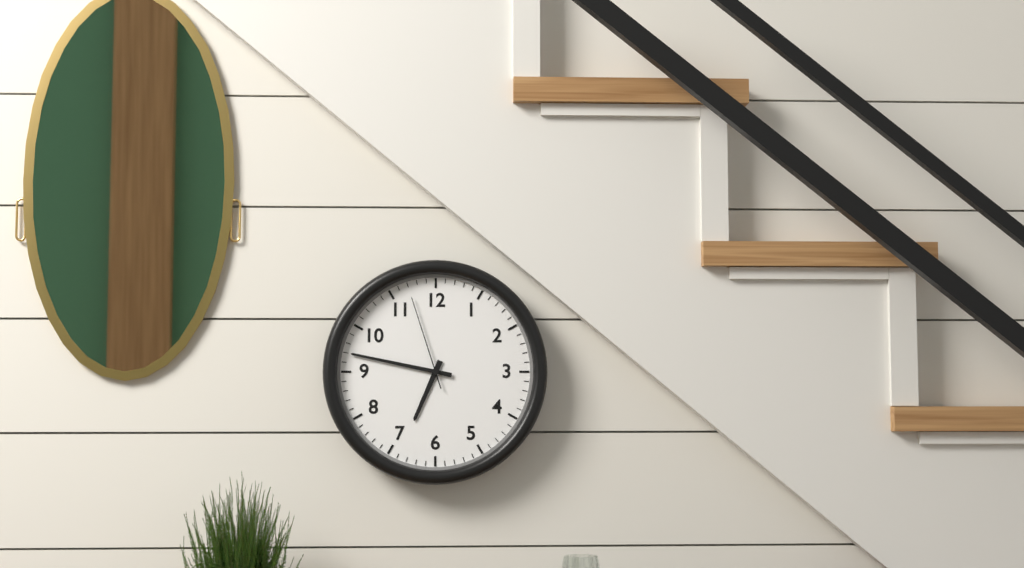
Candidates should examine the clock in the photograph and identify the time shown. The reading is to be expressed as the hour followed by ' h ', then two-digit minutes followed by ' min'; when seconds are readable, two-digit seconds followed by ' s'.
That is 6 h 47 min 57 s
